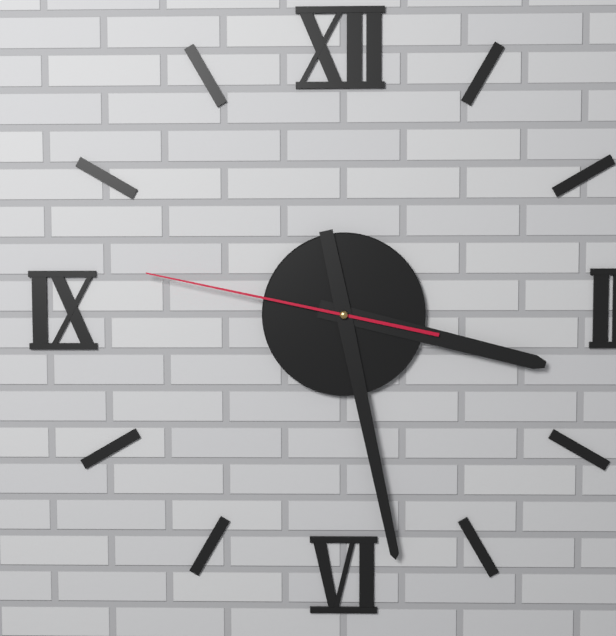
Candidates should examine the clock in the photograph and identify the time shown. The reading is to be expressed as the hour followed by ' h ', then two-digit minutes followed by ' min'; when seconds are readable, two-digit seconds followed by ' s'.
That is 3 h 28 min 47 s
